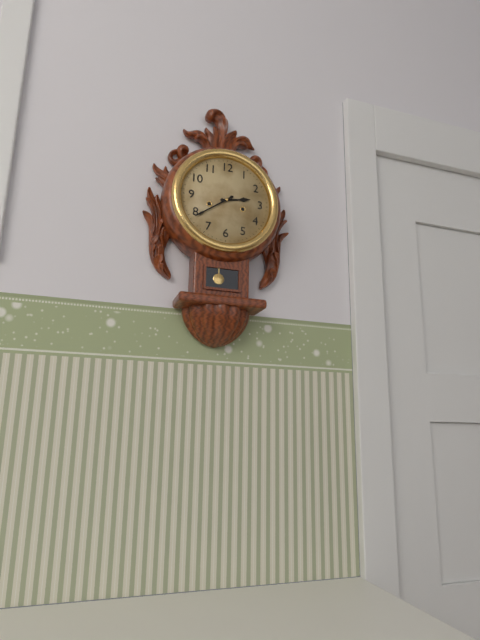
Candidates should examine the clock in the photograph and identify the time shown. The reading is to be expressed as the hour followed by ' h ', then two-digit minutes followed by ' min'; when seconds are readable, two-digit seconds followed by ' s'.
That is 2 h 39 min
